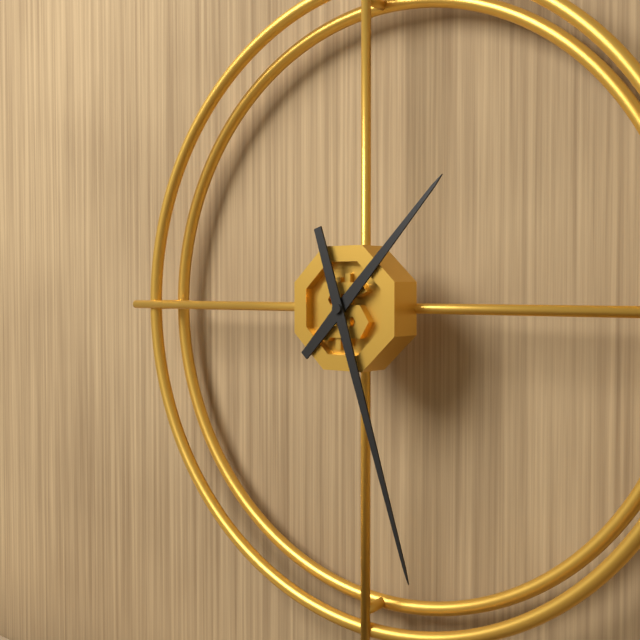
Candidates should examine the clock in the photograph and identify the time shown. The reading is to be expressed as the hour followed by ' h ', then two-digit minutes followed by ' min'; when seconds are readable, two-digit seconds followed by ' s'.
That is 1 h 27 min
